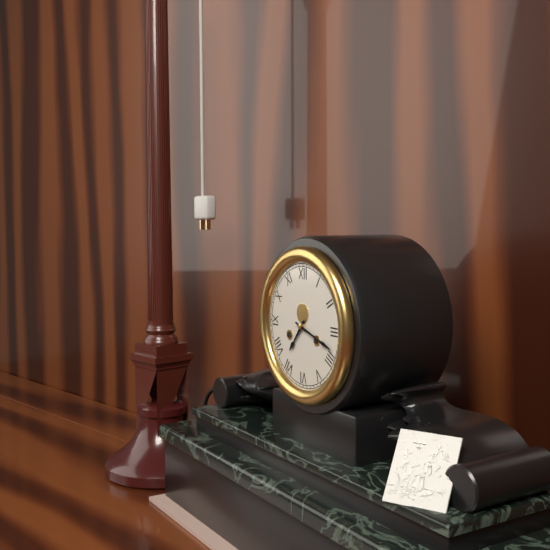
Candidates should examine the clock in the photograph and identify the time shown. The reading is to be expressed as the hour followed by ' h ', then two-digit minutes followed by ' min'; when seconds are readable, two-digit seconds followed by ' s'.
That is 7 h 18 min
